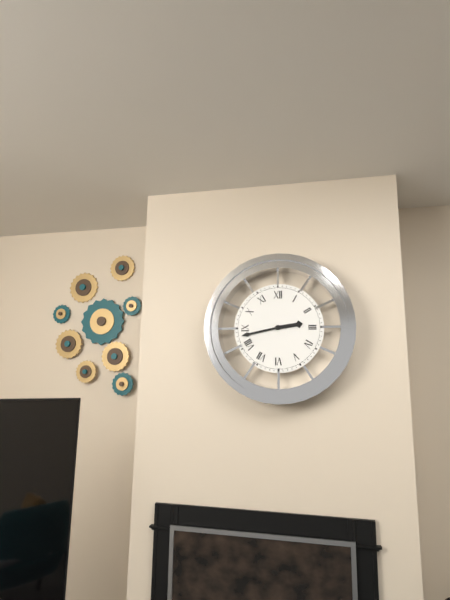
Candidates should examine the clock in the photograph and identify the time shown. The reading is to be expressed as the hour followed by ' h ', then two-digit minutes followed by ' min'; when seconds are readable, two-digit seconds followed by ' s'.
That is 2 h 43 min
